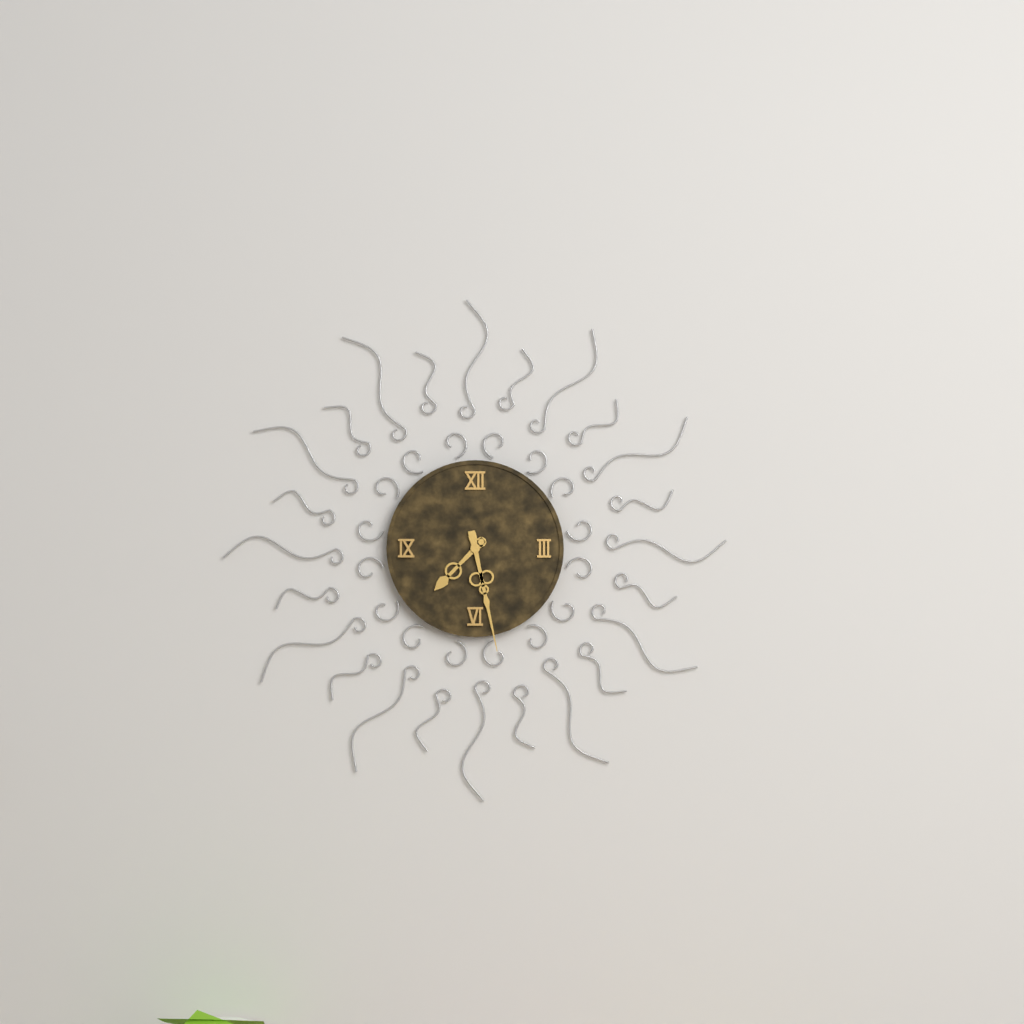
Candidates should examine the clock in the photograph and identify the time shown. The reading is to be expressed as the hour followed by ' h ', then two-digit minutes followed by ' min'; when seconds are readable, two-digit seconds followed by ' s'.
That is 7 h 28 min
